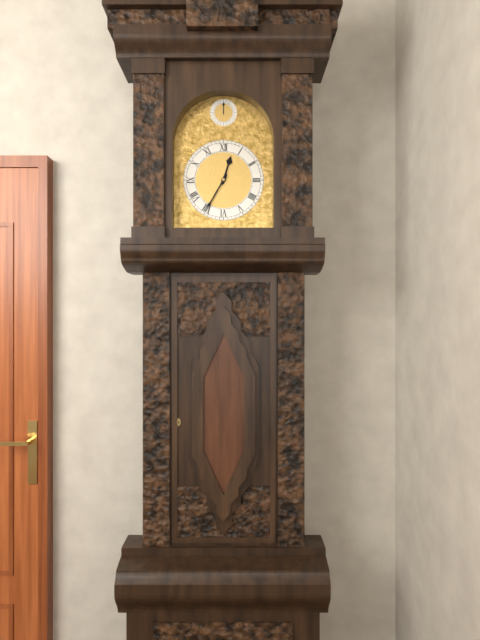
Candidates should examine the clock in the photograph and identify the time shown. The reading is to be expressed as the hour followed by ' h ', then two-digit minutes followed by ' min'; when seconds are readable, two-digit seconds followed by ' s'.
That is 12 h 35 min
